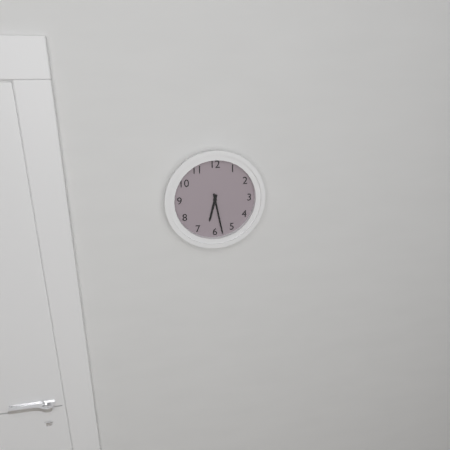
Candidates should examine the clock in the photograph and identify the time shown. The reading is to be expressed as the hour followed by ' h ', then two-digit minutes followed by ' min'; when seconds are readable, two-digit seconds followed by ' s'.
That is 6 h 28 min
